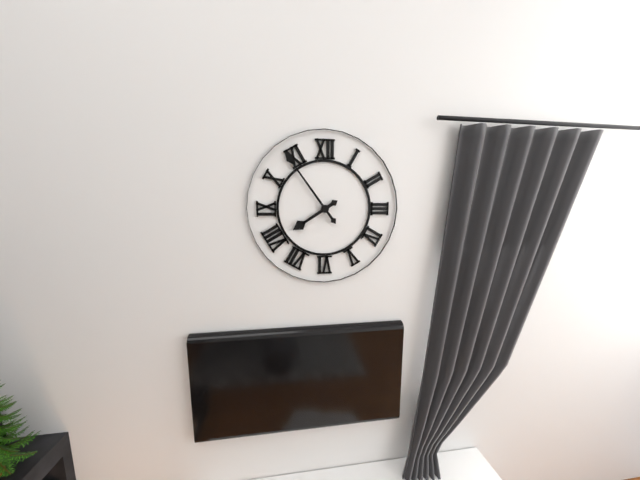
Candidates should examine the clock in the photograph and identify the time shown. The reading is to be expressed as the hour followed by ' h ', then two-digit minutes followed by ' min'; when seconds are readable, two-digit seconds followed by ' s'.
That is 7 h 54 min
